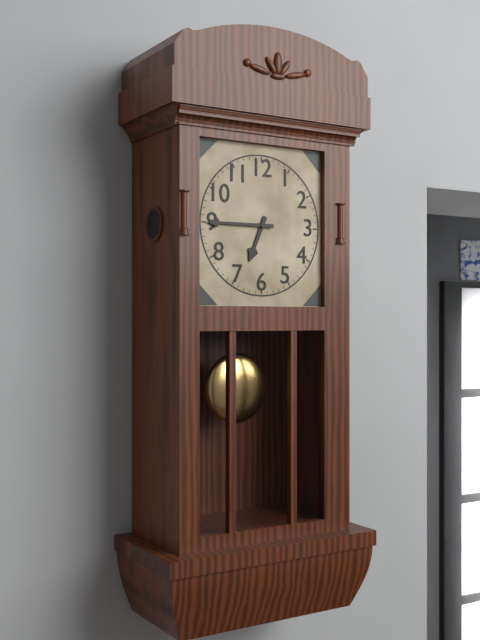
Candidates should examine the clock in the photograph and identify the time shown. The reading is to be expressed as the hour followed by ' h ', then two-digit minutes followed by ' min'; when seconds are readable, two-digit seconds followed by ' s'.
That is 6 h 45 min
